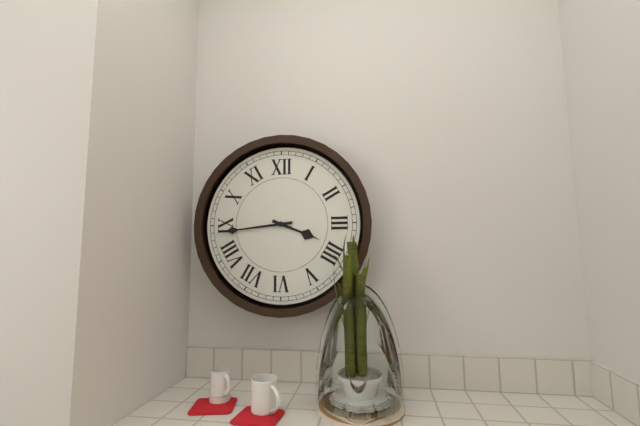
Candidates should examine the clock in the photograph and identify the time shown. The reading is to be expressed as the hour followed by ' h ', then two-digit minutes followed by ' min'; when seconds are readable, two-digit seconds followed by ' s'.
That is 3 h 44 min
